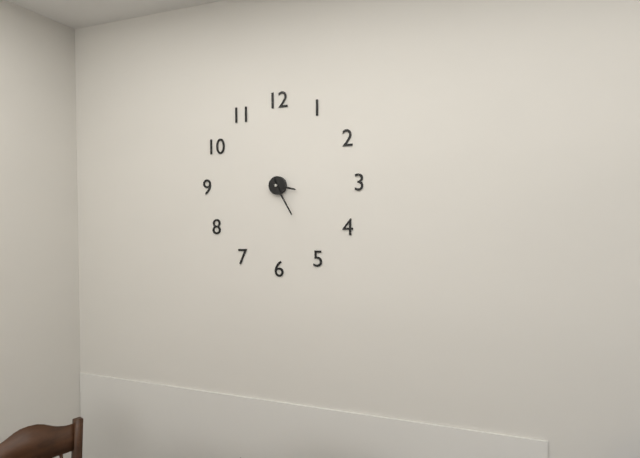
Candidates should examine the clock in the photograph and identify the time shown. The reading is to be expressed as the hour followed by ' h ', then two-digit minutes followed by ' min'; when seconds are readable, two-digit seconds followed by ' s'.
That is 3 h 25 min
